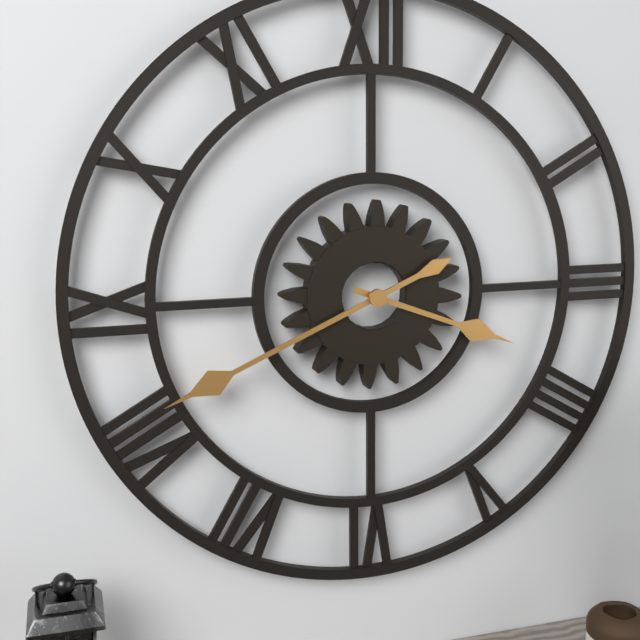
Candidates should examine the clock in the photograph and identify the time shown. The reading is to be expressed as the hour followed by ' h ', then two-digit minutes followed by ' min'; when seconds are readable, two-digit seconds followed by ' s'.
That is 3 h 41 min
